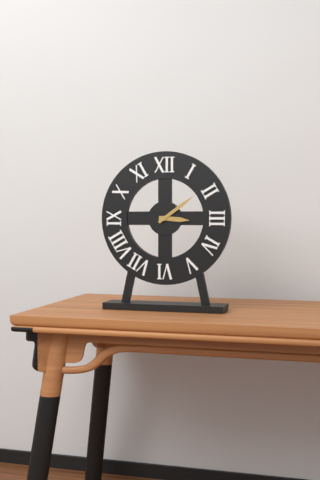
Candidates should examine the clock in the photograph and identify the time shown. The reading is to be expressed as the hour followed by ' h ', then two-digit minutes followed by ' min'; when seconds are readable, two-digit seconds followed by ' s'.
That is 3 h 09 min
